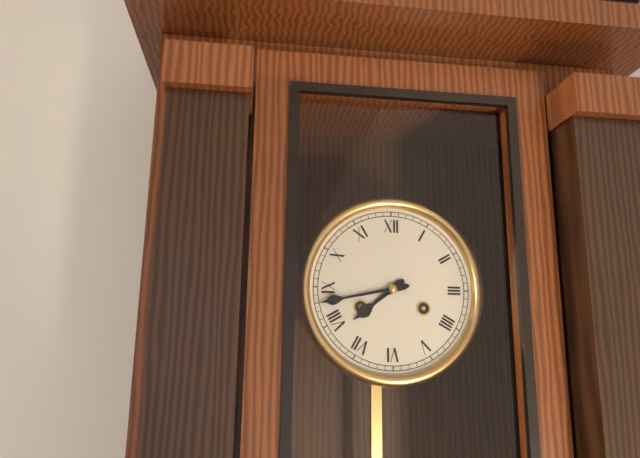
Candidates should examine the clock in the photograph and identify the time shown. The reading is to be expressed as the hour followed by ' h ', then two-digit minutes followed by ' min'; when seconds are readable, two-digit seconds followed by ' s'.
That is 7 h 43 min
